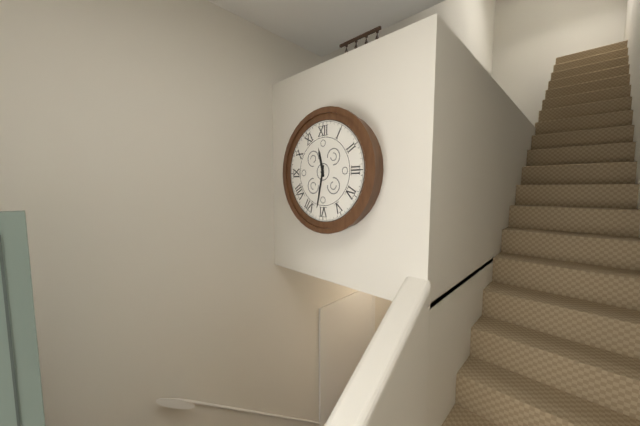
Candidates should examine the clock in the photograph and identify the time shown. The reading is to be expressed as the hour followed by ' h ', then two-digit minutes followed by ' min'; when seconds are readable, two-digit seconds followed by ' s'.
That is 11 h 32 min
